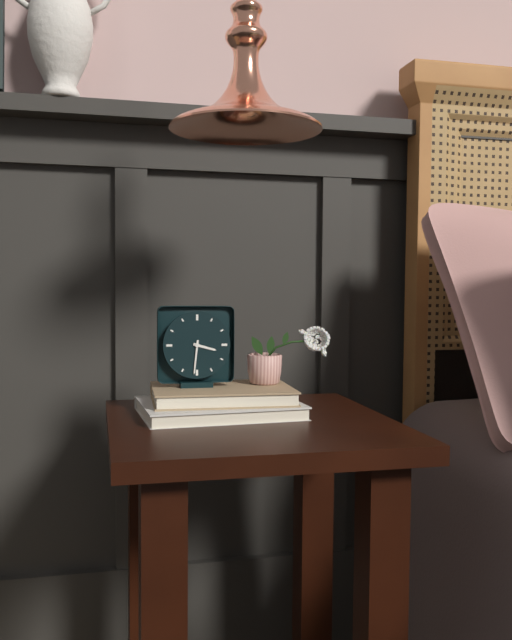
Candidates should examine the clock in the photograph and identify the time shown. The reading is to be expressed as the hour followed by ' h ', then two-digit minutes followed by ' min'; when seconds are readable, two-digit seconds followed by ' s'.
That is 3 h 31 min
